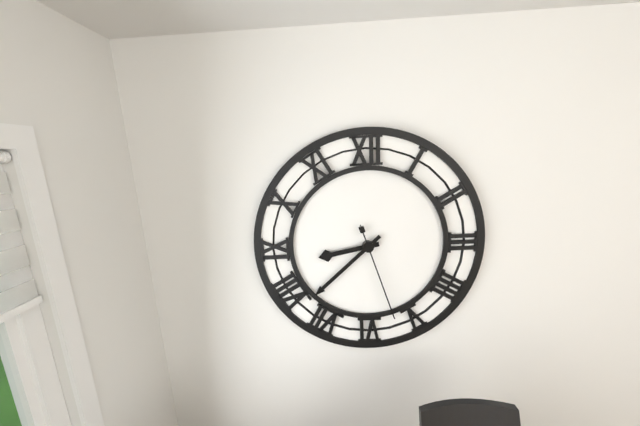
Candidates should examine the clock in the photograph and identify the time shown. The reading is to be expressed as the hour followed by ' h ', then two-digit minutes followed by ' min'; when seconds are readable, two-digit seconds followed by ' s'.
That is 8 h 38 min 27 s
